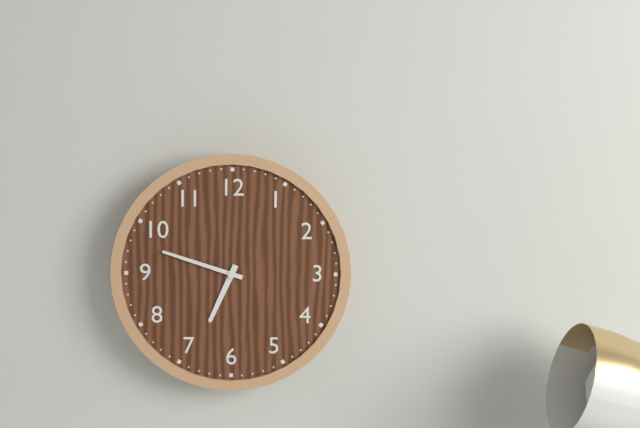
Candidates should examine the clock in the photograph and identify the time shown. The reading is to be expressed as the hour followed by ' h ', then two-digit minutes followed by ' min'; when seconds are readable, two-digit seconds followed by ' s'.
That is 6 h 48 min
